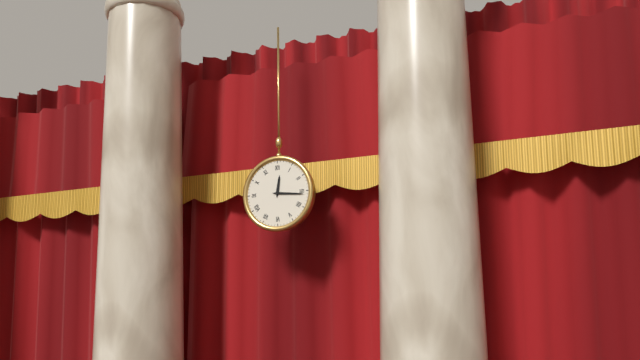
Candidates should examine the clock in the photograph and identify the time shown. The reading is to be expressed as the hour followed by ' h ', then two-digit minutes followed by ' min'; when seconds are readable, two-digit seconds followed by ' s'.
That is 12 h 16 min
